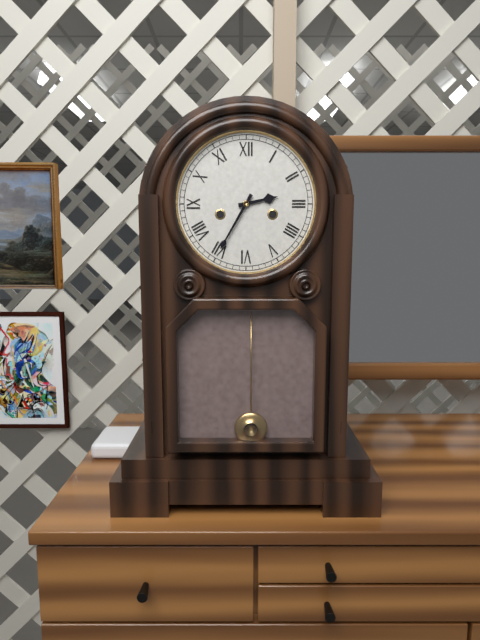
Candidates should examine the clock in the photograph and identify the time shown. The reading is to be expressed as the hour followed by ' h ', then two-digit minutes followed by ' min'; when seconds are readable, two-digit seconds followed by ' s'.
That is 2 h 35 min
